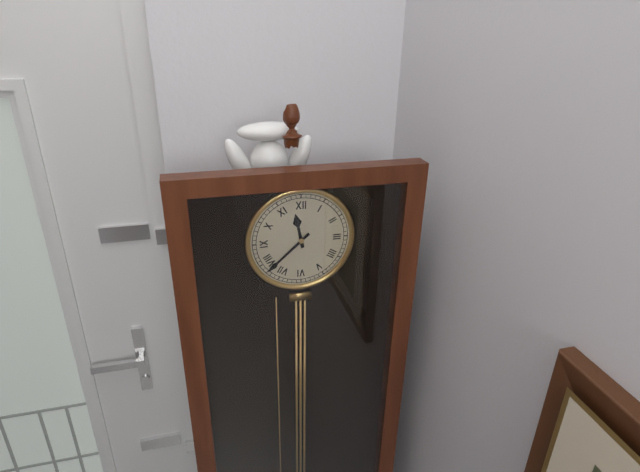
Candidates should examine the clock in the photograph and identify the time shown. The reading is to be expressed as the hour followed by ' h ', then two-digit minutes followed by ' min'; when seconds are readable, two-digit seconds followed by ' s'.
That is 11 h 38 min
